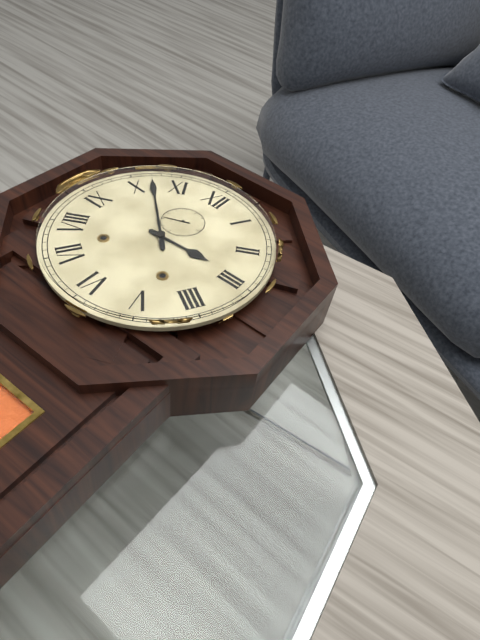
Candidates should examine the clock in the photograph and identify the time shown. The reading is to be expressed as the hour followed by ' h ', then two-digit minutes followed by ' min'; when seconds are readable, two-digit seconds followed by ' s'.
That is 2 h 52 min 41 s
